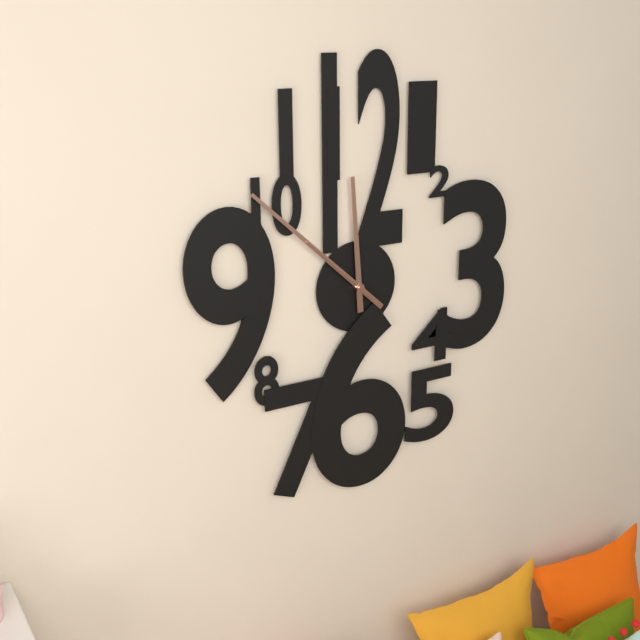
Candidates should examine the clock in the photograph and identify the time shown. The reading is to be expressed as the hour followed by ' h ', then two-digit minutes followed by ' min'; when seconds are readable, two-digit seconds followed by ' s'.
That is 11 h 52 min 52 s
